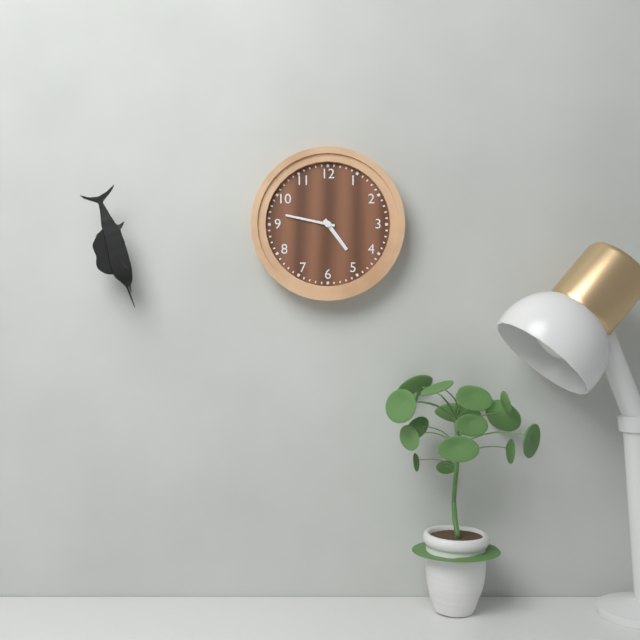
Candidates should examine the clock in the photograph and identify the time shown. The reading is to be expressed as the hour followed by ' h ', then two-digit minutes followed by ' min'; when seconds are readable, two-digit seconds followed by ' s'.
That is 4 h 47 min
